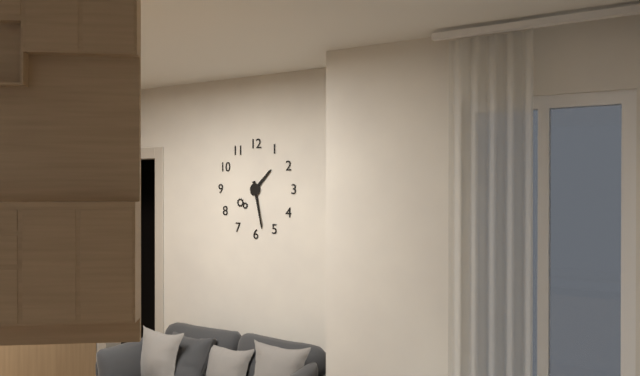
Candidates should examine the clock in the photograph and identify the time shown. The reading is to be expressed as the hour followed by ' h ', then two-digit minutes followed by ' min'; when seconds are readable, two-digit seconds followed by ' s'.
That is 1 h 28 min
